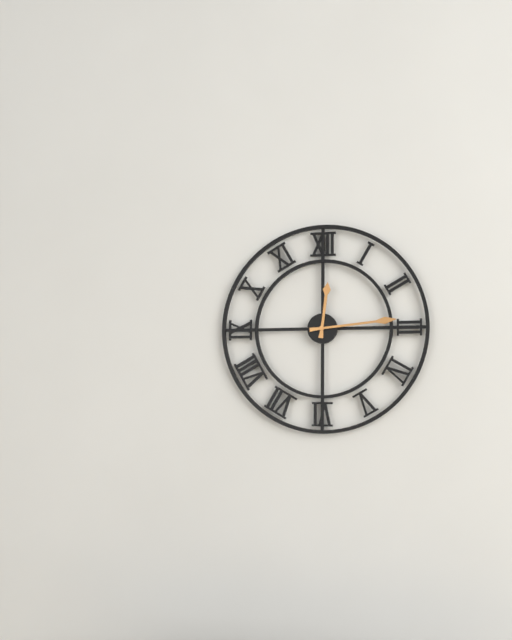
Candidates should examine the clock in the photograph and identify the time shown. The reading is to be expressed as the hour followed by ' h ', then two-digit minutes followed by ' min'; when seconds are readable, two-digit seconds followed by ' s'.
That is 12 h 14 min
